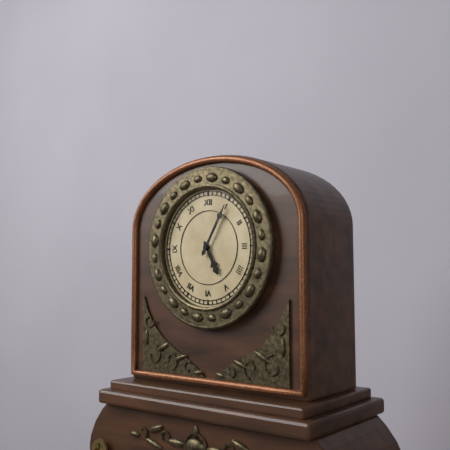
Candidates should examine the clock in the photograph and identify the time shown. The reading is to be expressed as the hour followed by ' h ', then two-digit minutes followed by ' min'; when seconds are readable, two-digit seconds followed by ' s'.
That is 5 h 05 min
